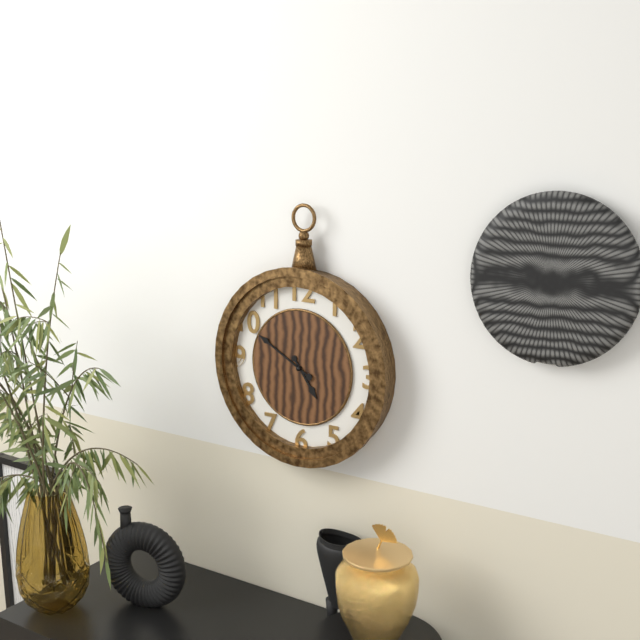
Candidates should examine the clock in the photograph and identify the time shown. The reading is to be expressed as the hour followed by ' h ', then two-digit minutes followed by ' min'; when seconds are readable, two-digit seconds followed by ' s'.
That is 4 h 50 min
